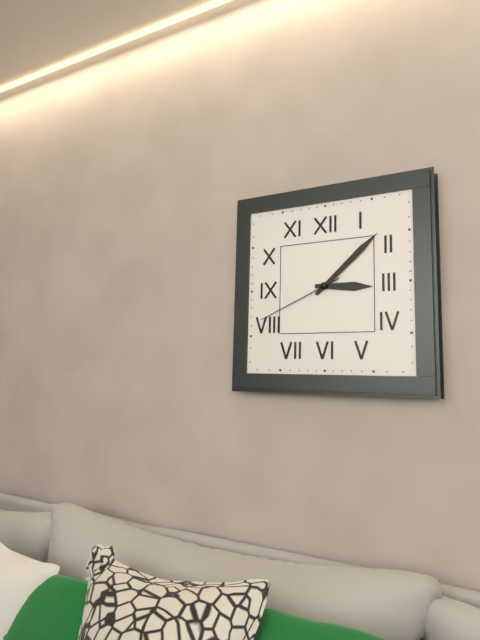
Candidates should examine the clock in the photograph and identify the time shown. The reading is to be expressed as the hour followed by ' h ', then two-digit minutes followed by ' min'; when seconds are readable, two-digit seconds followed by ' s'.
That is 3 h 08 min 41 s
